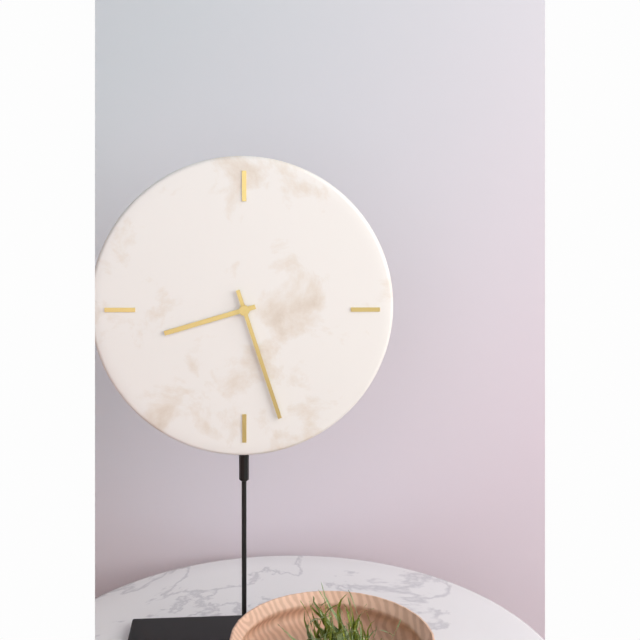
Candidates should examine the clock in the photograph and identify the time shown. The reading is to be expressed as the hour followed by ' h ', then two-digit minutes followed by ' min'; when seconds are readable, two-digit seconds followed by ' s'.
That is 8 h 27 min
